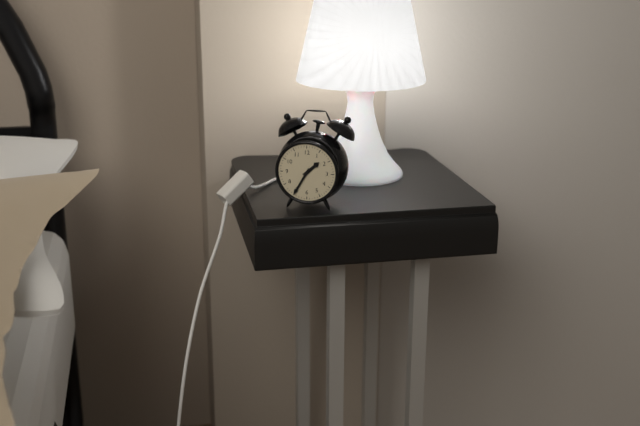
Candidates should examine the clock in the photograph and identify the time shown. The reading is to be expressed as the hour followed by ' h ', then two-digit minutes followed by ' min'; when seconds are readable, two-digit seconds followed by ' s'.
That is 1 h 35 min
